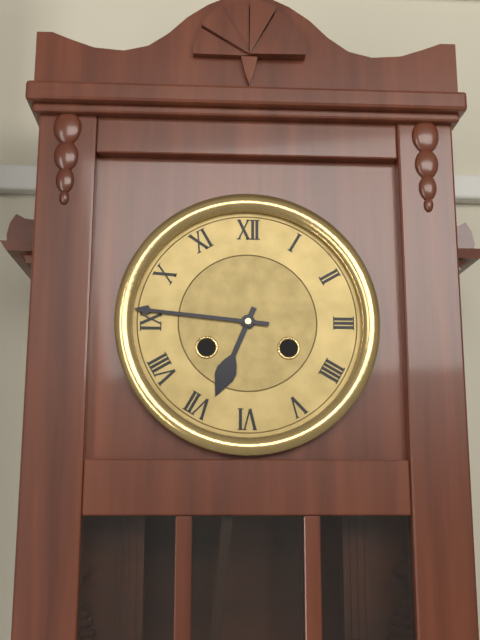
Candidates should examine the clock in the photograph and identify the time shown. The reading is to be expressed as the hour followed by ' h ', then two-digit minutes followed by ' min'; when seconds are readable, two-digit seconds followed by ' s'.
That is 6 h 46 min
